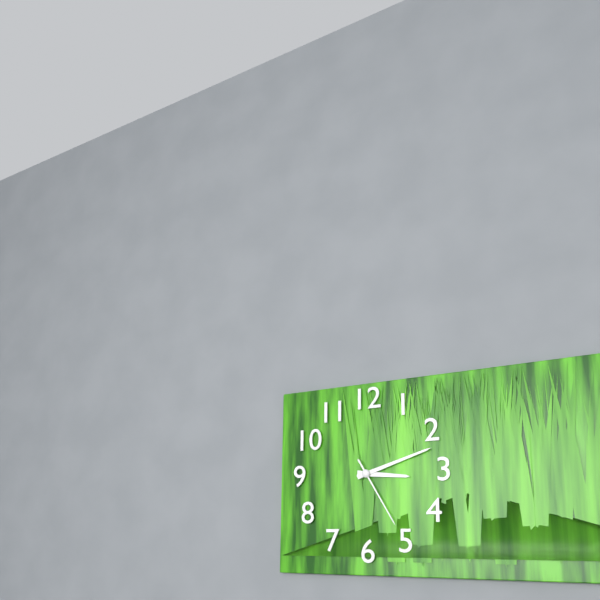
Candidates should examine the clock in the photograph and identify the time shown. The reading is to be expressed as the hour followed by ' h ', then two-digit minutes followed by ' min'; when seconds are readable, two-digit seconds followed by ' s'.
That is 3 h 12 min 25 s
